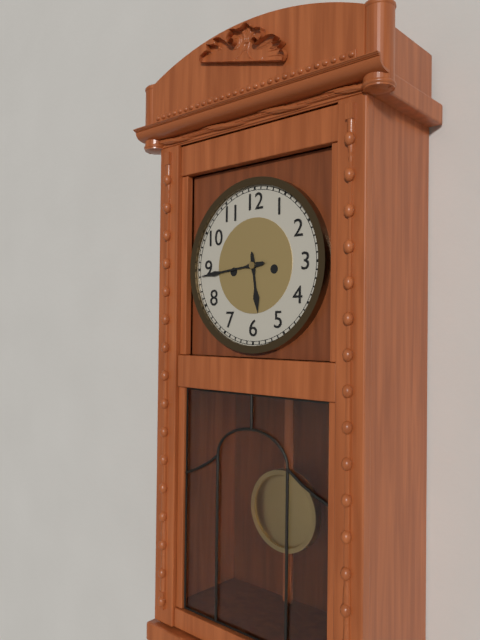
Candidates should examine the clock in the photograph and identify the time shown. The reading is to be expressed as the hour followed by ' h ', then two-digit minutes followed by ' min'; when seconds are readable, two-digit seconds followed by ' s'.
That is 5 h 44 min
